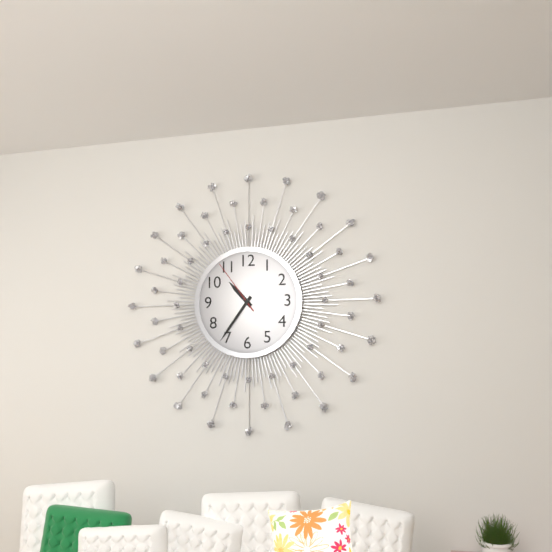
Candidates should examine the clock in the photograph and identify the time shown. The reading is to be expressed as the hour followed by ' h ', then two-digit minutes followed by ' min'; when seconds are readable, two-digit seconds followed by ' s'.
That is 10 h 36 min 54 s
